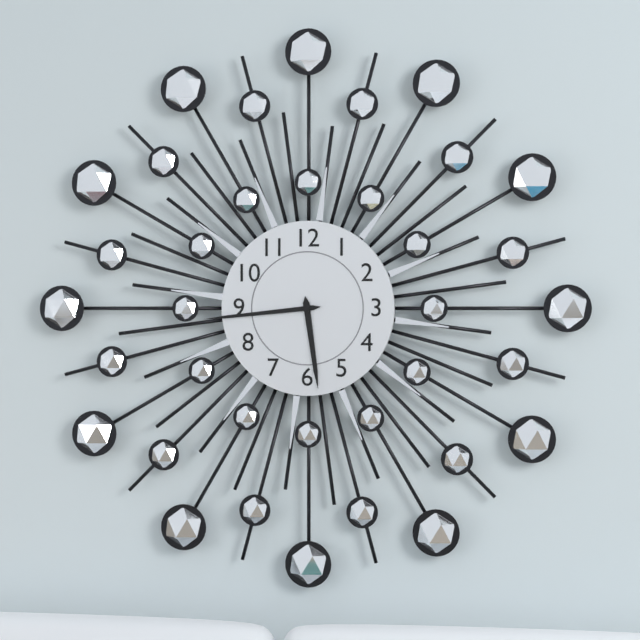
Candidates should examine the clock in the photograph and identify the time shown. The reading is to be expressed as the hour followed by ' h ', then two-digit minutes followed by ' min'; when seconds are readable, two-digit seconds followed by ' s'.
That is 5 h 44 min
